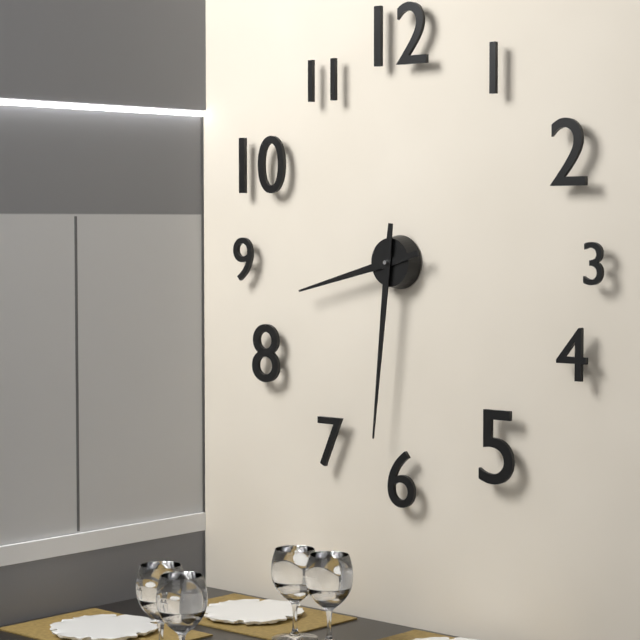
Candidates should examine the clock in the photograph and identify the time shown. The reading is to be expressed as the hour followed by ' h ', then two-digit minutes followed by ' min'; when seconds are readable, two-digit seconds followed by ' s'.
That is 8 h 31 min
